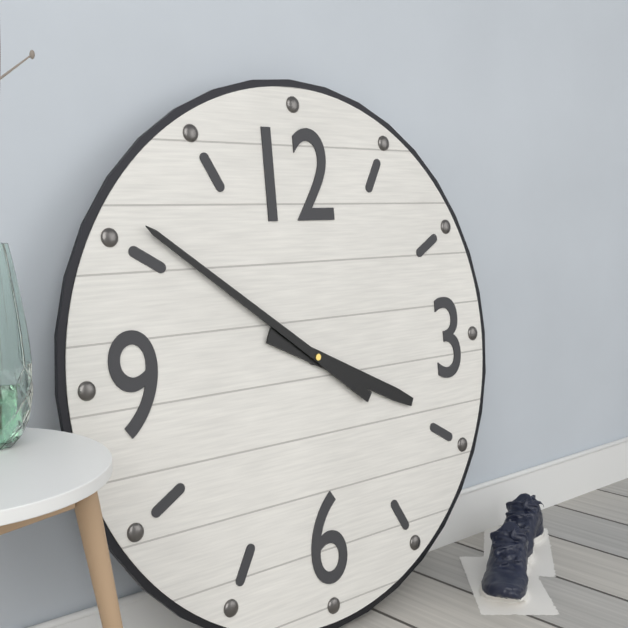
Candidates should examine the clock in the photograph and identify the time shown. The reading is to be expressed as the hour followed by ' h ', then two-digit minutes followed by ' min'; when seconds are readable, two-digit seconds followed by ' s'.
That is 3 h 51 min
